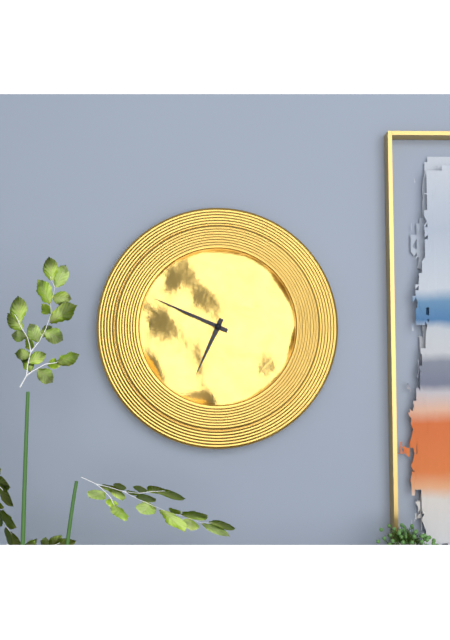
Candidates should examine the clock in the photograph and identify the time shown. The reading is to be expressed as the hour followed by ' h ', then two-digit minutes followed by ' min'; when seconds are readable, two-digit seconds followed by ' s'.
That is 6 h 49 min
